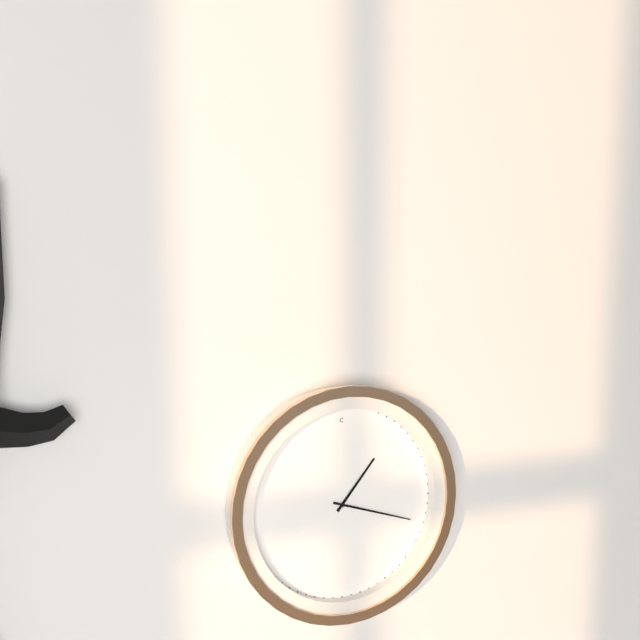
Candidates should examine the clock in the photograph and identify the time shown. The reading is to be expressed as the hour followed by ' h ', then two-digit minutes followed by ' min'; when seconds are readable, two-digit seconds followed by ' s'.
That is 1 h 18 min
